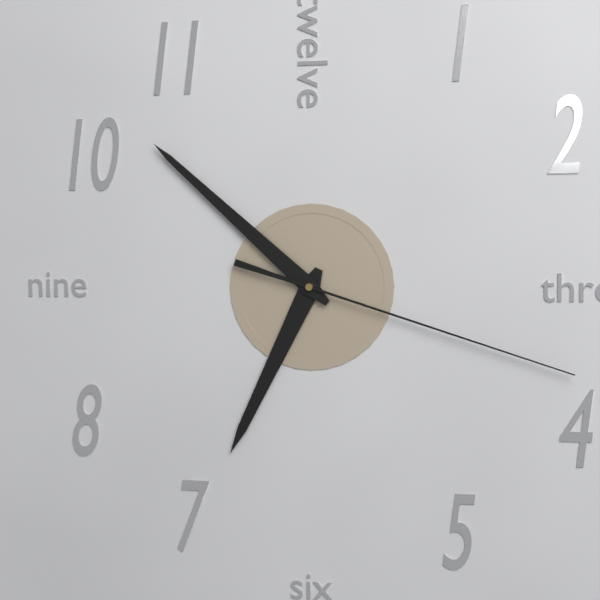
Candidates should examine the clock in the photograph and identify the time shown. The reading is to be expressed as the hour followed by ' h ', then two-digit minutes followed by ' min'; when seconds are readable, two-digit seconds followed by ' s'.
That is 6 h 52 min 18 s
